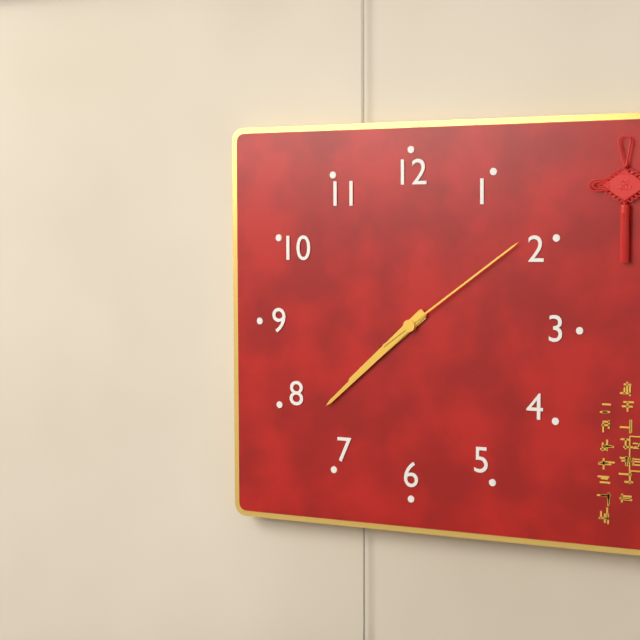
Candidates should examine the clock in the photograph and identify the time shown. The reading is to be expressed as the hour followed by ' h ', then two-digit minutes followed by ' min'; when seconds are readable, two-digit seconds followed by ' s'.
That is 7 h 38 min 09 s
